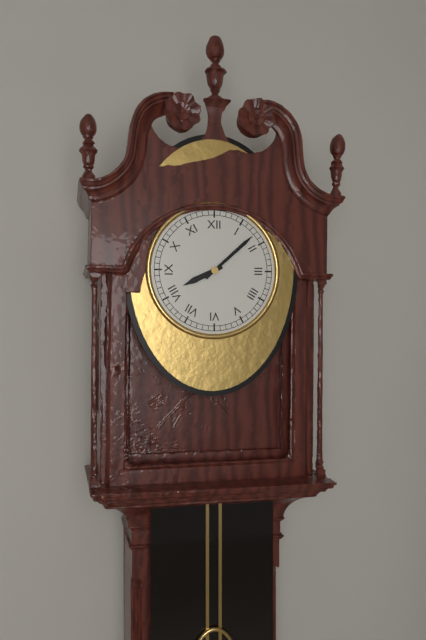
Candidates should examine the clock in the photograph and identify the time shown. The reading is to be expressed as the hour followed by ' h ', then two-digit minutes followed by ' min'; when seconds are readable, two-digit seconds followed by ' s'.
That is 8 h 08 min
